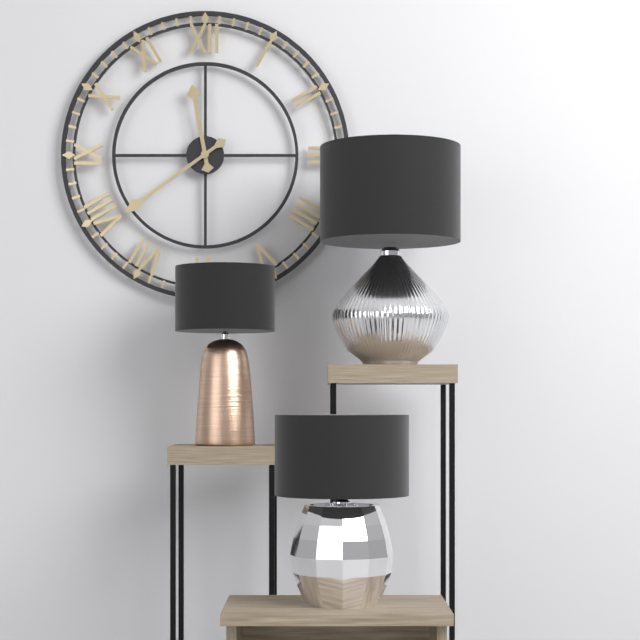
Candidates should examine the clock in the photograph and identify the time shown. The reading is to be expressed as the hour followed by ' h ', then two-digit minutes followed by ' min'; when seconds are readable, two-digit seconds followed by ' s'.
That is 11 h 39 min
